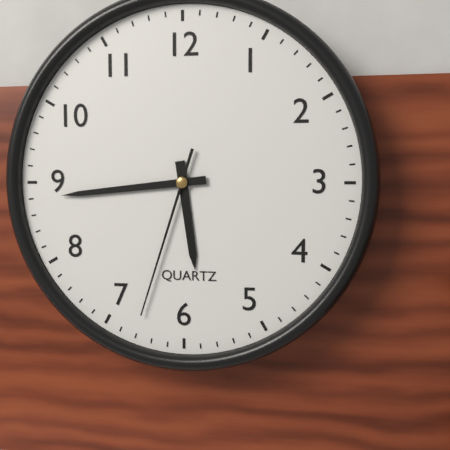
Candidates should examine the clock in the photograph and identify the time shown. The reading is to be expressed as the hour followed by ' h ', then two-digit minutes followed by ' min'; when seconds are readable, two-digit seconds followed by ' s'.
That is 5 h 44 min 33 s
